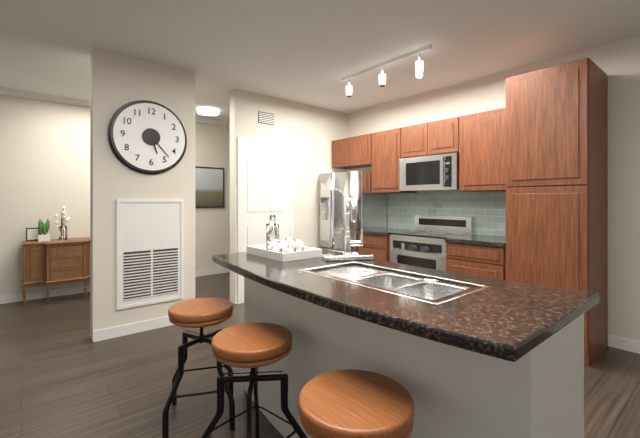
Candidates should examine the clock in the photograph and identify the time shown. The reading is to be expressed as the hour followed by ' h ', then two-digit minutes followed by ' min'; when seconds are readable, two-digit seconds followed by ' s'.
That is 5 h 23 min
